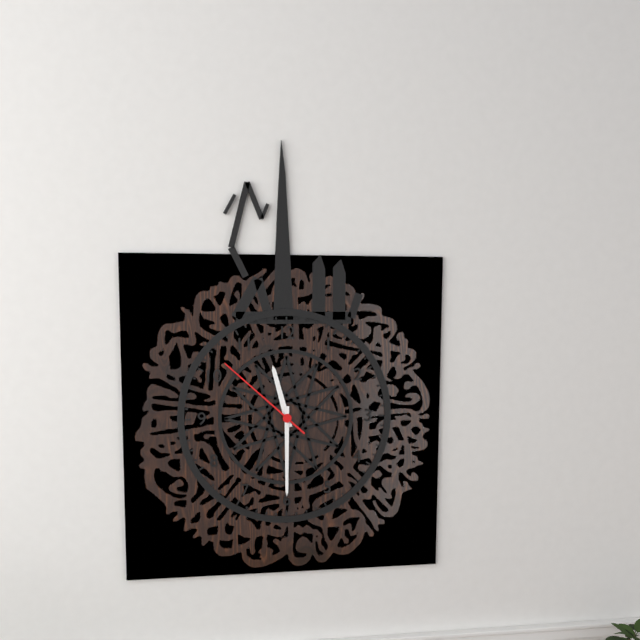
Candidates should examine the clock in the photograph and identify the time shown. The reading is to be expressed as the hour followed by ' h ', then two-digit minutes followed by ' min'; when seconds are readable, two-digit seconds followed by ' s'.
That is 11 h 30 min 52 s
